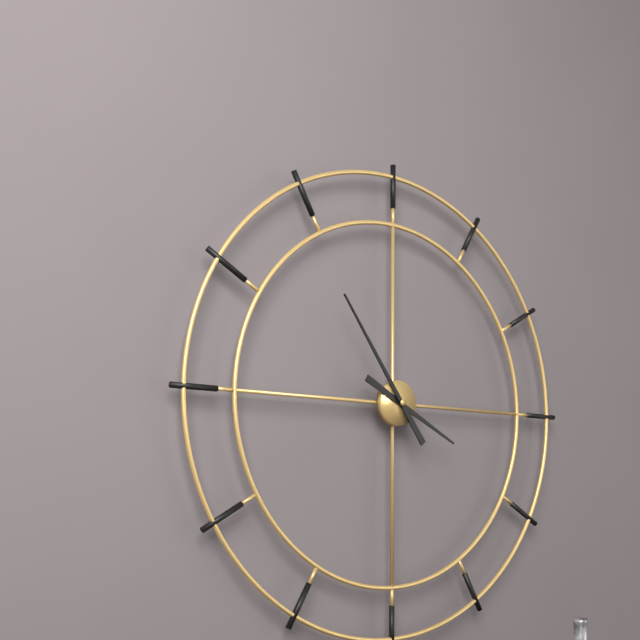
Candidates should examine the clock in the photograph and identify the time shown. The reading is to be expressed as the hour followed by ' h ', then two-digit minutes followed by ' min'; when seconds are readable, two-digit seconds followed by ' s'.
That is 3 h 54 min
